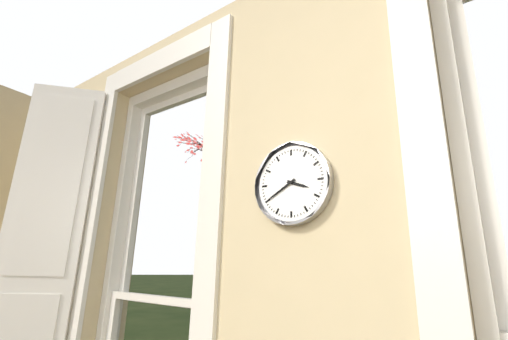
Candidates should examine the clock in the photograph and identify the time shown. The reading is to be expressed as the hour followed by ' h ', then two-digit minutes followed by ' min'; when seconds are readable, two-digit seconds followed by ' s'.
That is 3 h 40 min
